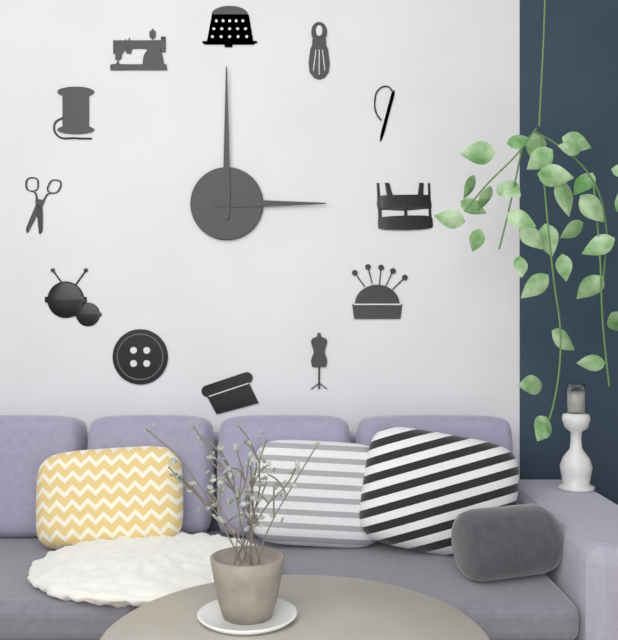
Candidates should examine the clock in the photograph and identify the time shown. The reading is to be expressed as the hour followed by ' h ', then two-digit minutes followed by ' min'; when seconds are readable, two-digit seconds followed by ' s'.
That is 3 h 00 min
